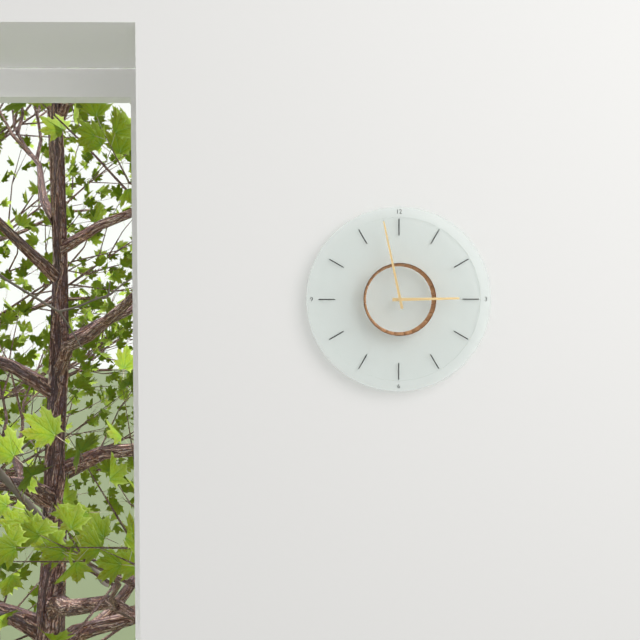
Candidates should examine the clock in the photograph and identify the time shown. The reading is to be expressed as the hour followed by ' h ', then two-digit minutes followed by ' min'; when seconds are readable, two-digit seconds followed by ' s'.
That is 2 h 58 min
